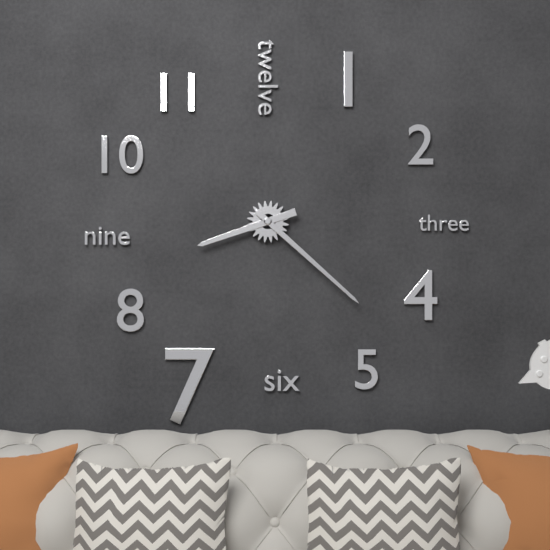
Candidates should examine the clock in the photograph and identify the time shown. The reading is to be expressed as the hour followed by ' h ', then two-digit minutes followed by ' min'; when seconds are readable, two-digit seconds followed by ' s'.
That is 8 h 22 min
